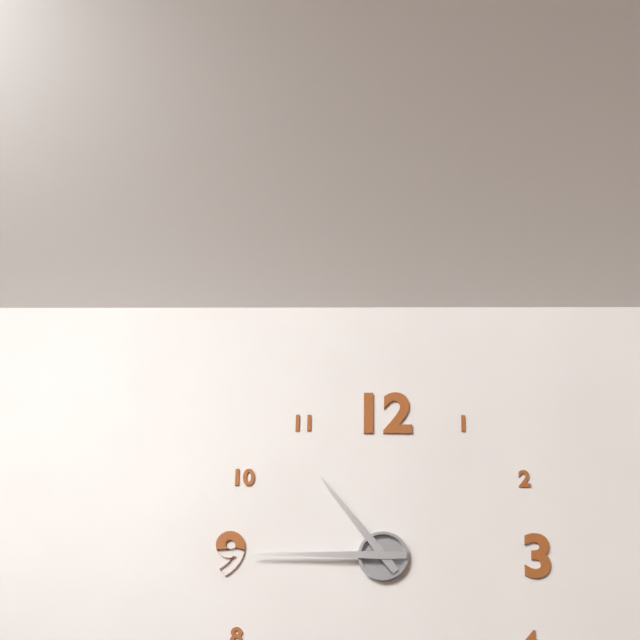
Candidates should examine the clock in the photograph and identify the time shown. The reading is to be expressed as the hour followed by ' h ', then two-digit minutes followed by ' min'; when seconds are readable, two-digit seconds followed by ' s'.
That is 10 h 45 min
